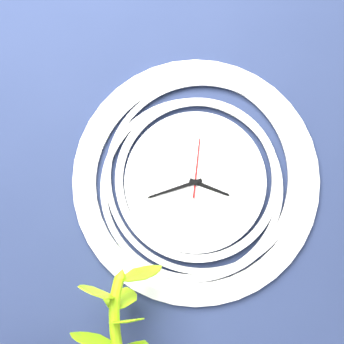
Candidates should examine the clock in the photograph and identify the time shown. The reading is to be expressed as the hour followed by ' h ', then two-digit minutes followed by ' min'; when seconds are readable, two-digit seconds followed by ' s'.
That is 3 h 42 min 01 s
